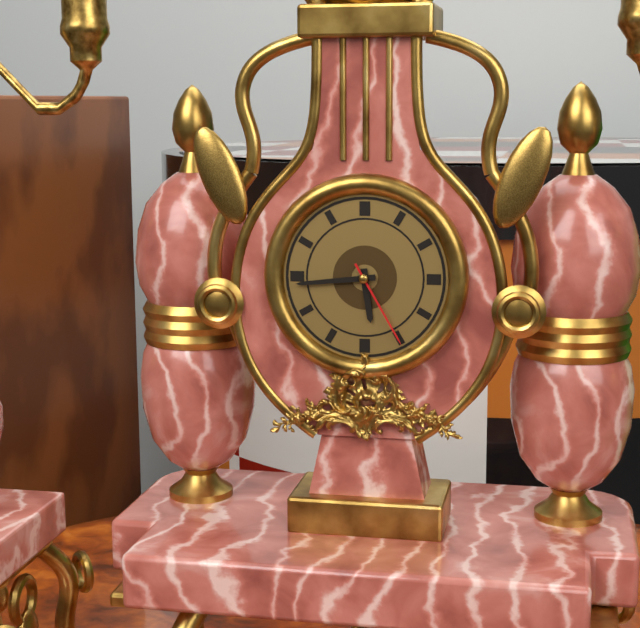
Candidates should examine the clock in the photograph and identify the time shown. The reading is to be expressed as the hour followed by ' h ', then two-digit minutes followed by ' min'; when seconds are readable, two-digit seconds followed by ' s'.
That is 5 h 44 min 25 s
